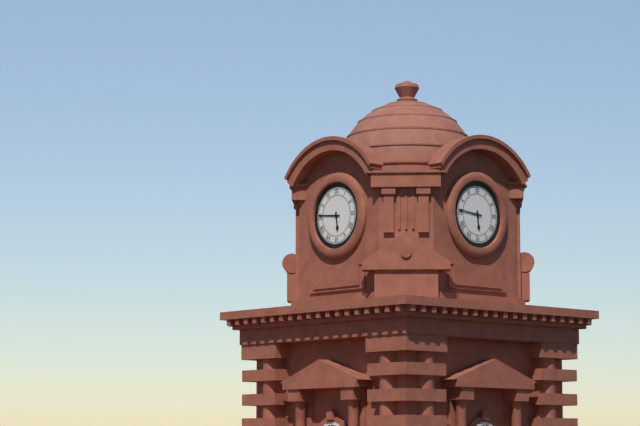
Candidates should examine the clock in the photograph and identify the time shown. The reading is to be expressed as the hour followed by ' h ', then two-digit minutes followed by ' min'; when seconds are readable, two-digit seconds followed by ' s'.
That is 5 h 46 min
